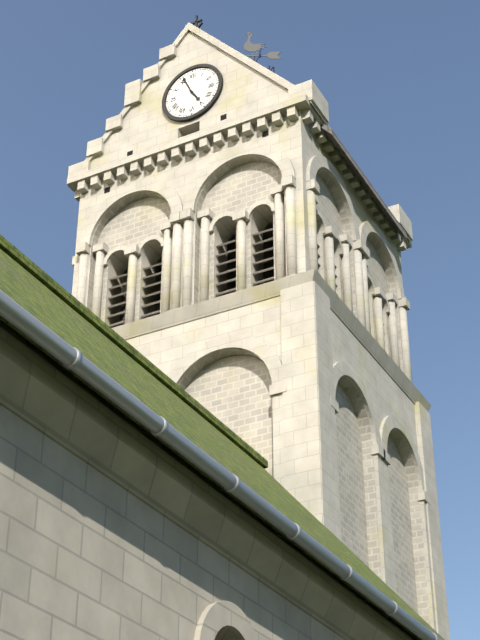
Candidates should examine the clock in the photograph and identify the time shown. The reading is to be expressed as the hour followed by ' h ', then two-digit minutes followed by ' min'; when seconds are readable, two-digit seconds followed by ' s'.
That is 4 h 56 min
